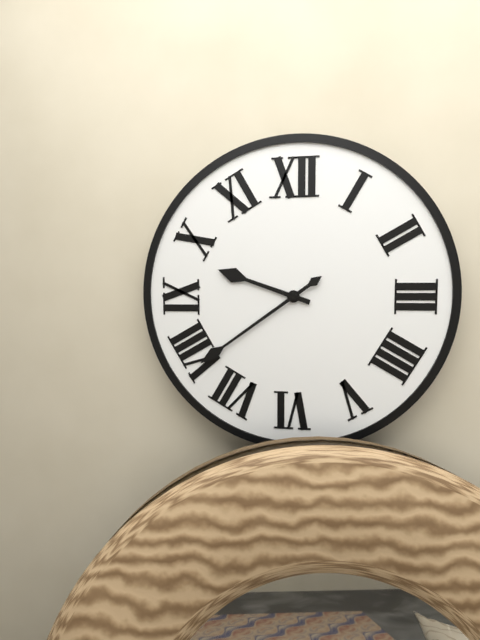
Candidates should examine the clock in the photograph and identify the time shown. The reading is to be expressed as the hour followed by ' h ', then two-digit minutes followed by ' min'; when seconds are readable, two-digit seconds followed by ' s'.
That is 9 h 39 min
